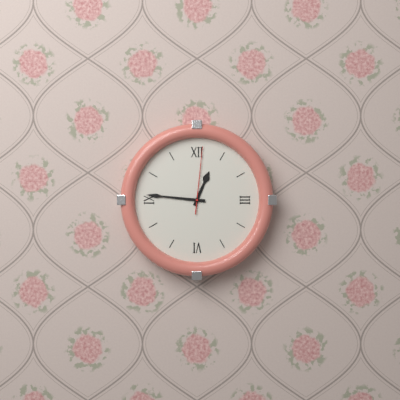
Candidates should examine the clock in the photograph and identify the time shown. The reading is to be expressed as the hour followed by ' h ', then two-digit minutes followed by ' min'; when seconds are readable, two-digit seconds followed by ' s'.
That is 12 h 46 min 01 s
